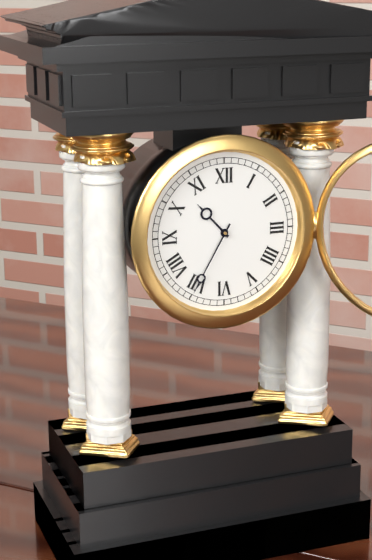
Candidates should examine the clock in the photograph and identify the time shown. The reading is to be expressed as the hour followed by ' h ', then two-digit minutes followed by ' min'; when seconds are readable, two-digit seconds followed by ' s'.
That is 10 h 35 min
